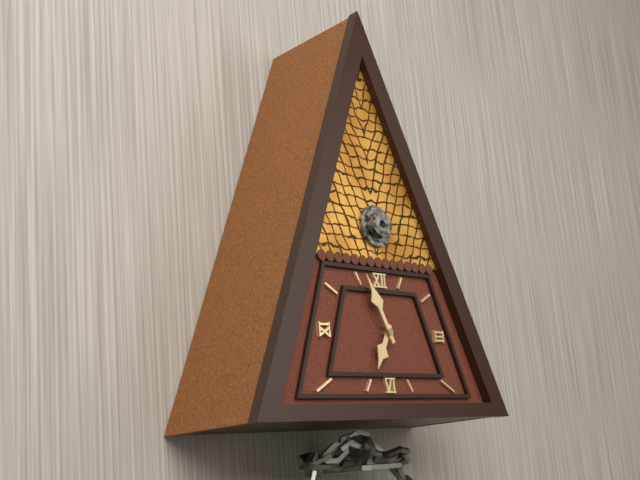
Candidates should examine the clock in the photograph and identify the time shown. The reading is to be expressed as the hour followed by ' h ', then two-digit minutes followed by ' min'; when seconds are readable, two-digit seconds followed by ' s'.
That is 6 h 56 min
